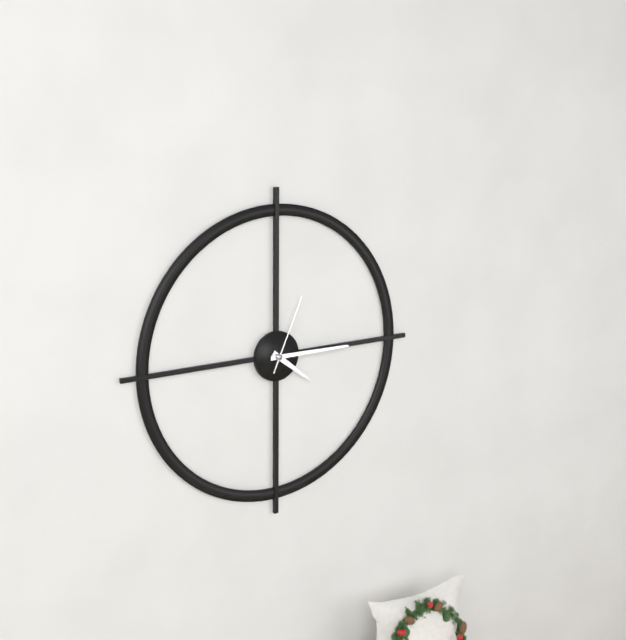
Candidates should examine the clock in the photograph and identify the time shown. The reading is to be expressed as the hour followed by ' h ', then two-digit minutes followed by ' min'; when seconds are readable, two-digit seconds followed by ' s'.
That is 4 h 15 min 04 s
